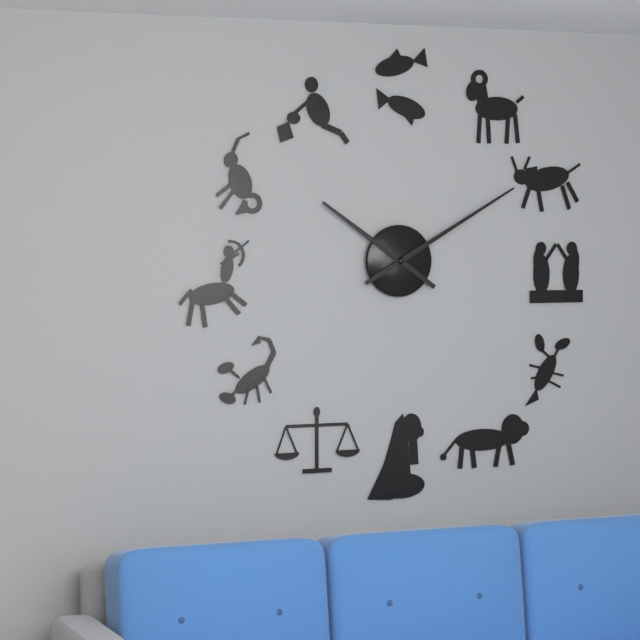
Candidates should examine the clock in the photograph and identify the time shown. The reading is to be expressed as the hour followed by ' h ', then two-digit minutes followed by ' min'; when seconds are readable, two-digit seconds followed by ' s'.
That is 10 h 10 min
